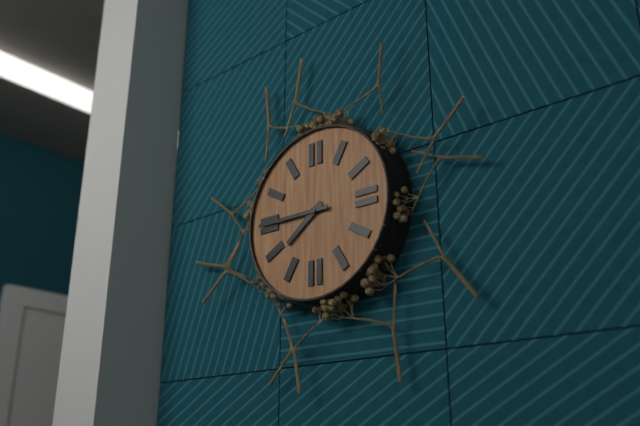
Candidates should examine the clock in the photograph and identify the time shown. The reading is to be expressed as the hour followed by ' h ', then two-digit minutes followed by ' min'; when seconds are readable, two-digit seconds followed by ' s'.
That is 7 h 45 min
